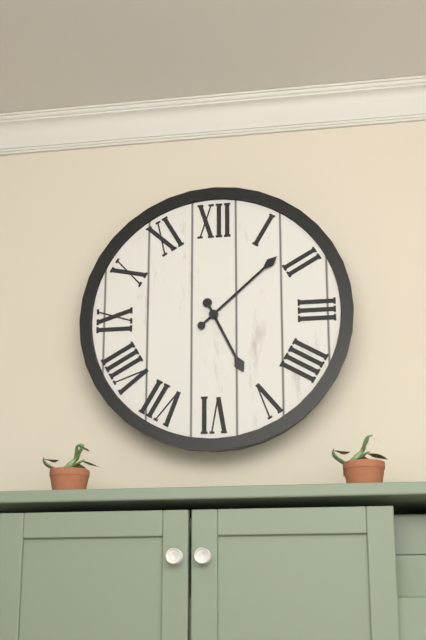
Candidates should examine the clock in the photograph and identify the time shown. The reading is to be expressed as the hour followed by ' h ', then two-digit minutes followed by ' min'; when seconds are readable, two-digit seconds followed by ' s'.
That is 5 h 08 min
